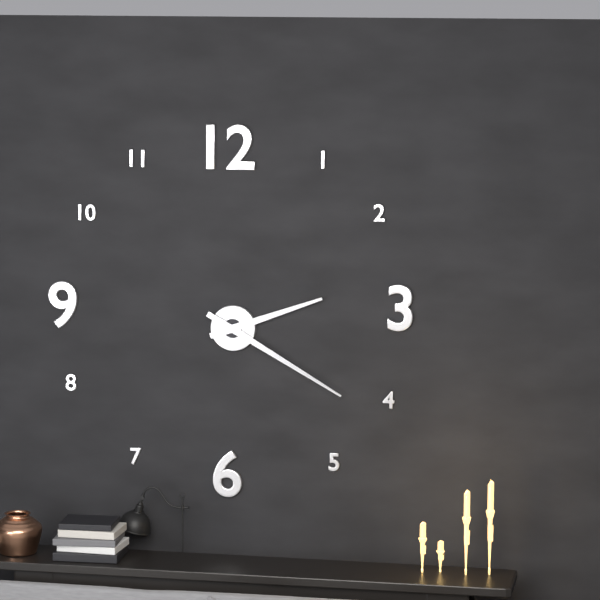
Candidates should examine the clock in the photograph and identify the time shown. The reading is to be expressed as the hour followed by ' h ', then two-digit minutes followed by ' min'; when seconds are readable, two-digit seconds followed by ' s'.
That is 2 h 20 min
